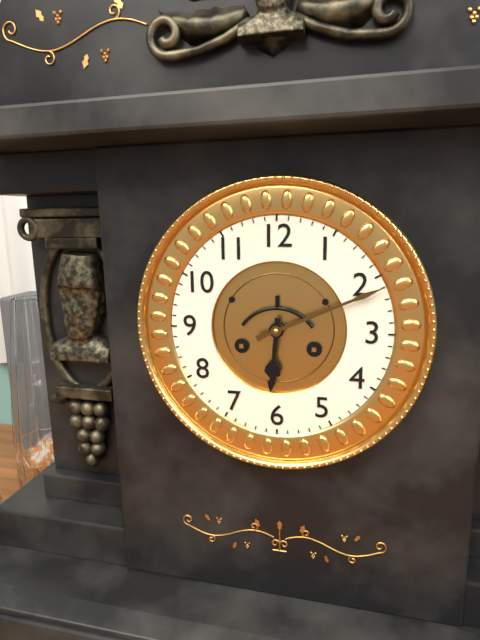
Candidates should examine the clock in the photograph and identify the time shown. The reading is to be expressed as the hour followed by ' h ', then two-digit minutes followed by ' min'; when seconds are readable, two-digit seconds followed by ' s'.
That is 6 h 11 min
